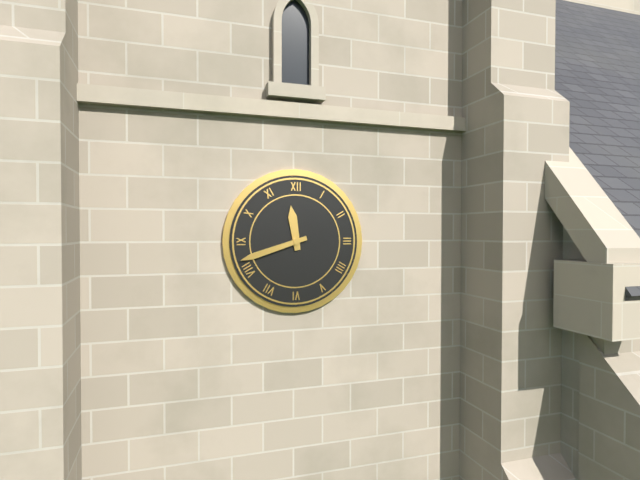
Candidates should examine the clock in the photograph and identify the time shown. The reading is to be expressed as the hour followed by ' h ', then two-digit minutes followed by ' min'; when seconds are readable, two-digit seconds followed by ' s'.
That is 11 h 42 min
